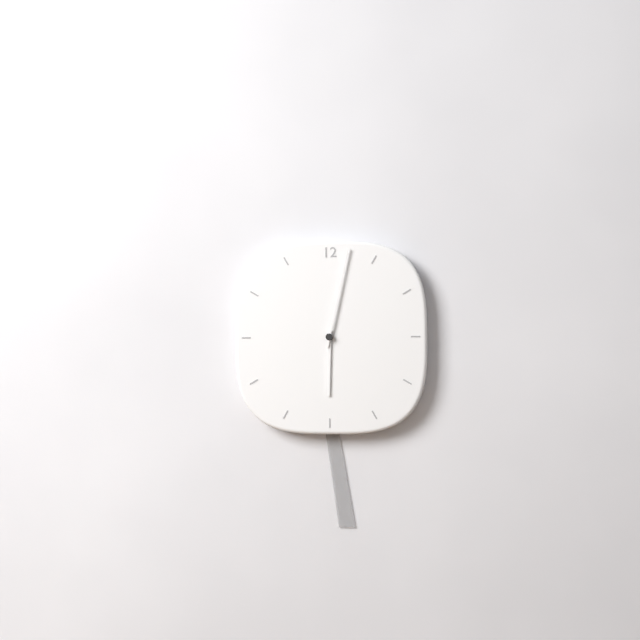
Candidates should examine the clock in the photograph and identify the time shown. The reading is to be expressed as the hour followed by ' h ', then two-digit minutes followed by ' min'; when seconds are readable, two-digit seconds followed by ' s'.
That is 6 h 02 min
